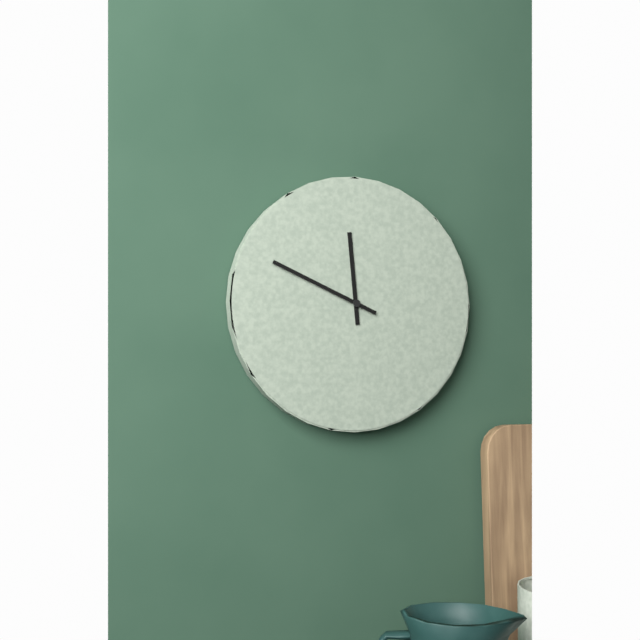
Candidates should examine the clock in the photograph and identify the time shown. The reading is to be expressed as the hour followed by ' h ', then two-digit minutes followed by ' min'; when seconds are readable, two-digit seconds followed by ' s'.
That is 11 h 49 min
